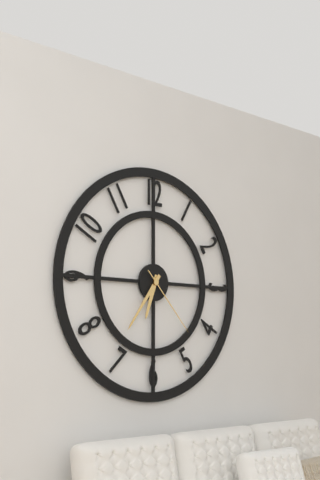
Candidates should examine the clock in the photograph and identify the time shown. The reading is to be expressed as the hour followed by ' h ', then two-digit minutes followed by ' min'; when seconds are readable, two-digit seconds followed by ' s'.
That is 6 h 36 min 23 s
